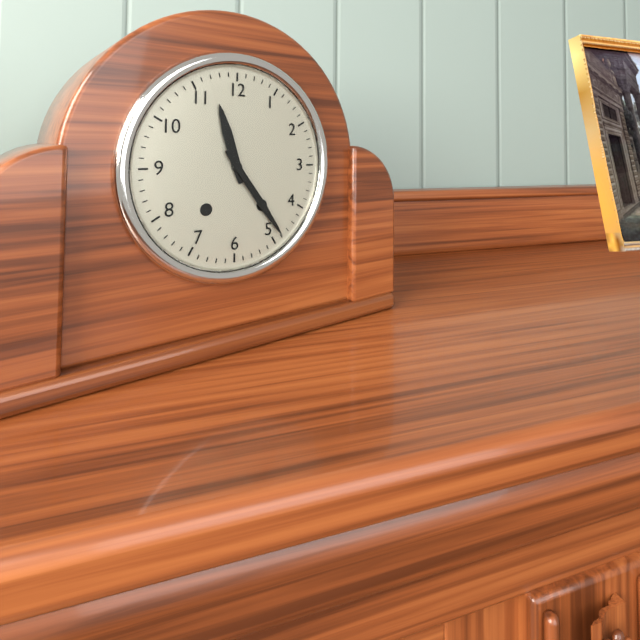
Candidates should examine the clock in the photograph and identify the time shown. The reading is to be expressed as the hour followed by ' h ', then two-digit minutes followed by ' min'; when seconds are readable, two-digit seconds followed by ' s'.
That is 11 h 24 min
